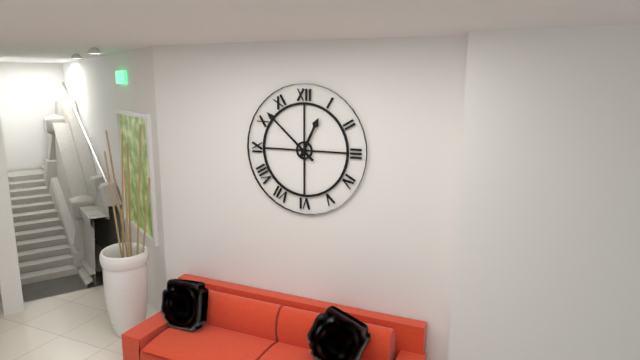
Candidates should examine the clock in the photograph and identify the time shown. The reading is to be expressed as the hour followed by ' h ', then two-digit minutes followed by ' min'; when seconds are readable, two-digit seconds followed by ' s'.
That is 12 h 52 min
